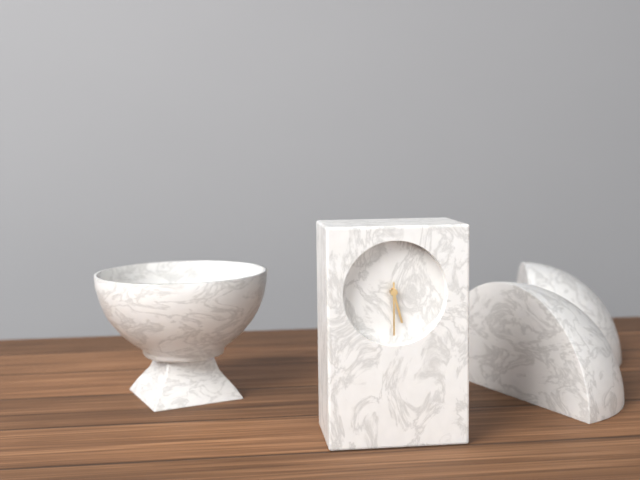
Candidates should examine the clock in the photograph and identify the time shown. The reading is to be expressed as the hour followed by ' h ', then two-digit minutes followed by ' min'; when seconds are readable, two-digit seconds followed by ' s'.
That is 5 h 30 min
